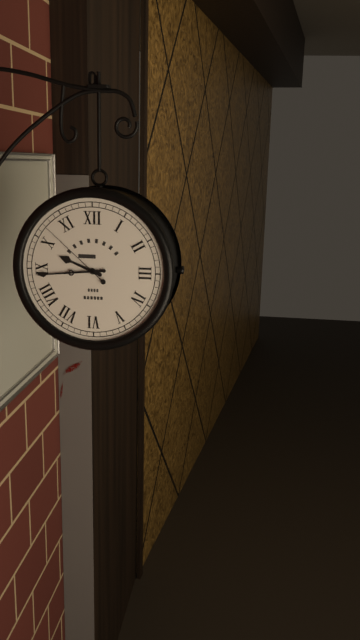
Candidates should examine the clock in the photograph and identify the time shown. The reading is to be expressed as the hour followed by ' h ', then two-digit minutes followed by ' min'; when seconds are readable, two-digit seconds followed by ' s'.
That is 9 h 44 min 52 s
